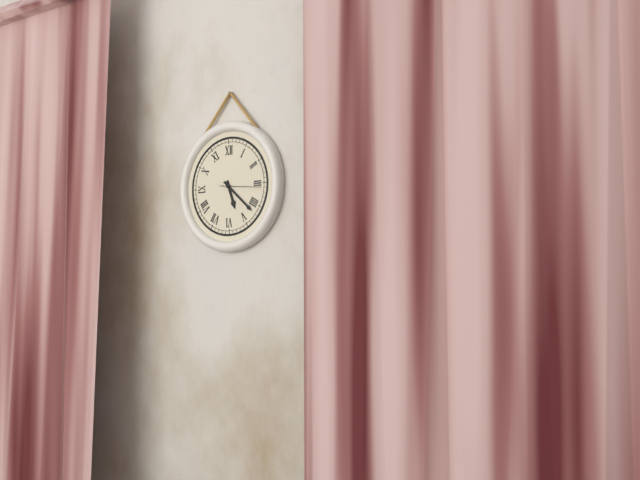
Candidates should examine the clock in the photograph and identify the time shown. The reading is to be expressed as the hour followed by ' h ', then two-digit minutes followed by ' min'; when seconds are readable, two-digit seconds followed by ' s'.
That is 5 h 22 min
